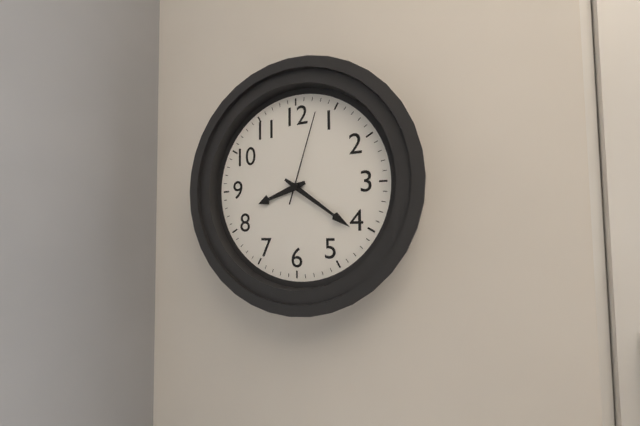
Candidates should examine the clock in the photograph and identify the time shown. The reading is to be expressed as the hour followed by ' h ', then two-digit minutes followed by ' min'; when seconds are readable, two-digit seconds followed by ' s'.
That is 8 h 21 min 03 s
